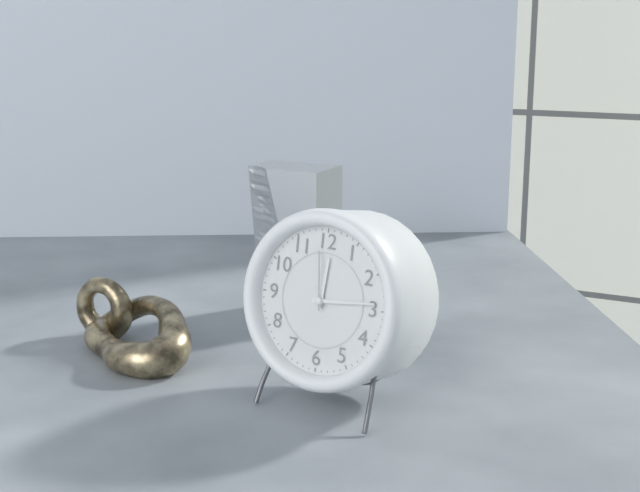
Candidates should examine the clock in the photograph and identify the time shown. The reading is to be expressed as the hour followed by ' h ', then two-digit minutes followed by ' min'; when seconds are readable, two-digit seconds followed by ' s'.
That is 12 h 14 min 59 s
